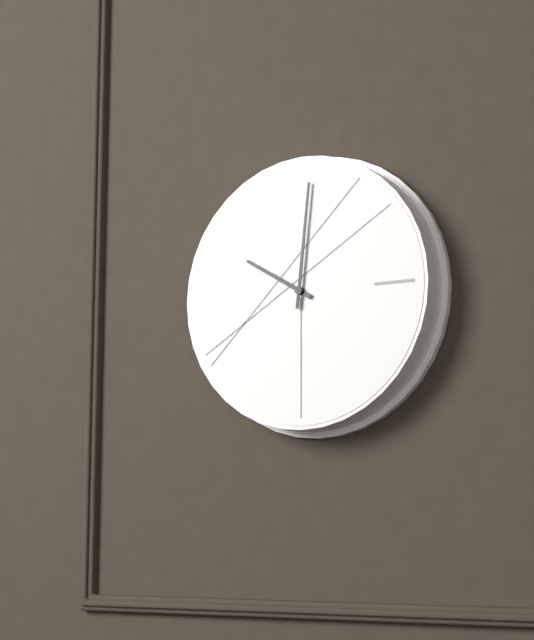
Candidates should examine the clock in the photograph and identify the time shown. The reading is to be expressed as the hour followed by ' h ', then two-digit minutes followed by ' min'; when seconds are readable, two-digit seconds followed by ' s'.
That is 10 h 01 min
